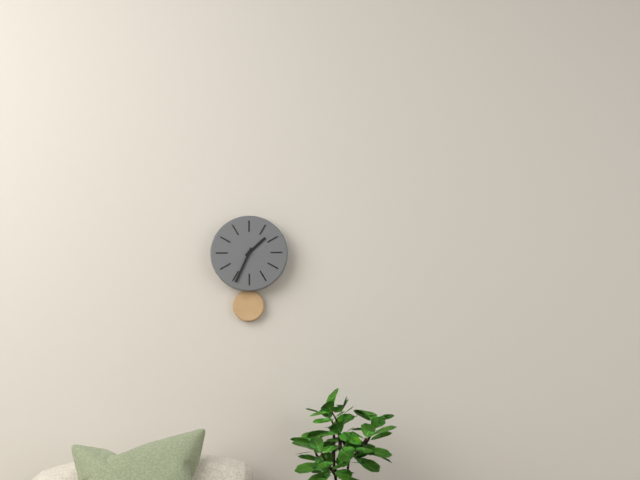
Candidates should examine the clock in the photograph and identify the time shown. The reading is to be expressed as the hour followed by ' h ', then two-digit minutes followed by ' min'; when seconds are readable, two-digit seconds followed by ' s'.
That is 1 h 34 min
